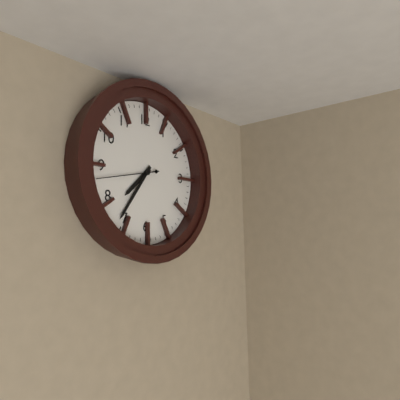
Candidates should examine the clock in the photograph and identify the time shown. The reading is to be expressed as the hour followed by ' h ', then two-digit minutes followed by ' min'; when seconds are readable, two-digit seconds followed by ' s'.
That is 7 h 36 min 43 s
